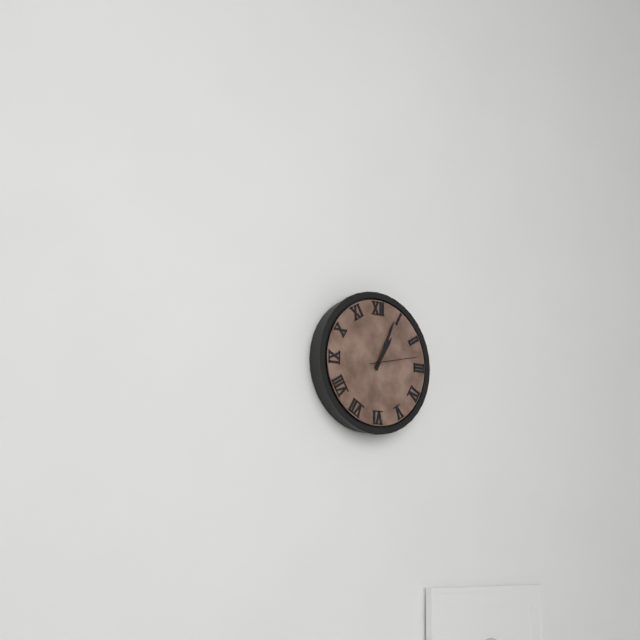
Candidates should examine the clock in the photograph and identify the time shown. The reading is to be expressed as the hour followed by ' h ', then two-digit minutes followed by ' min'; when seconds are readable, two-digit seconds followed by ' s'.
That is 1 h 04 min
